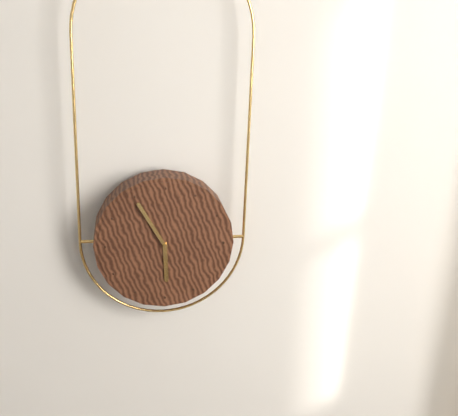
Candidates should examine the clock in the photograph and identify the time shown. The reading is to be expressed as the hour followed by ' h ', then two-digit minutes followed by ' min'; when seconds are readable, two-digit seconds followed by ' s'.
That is 5 h 55 min
